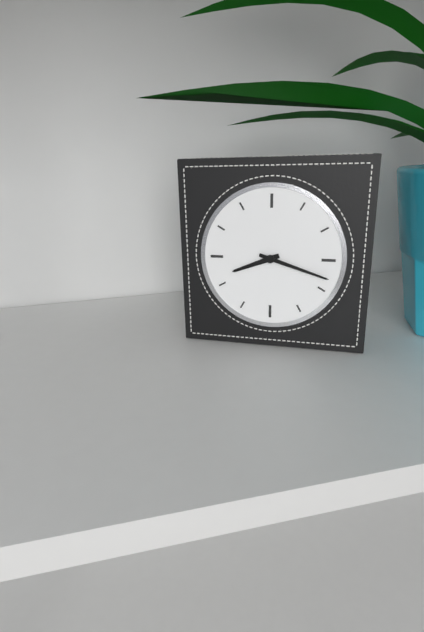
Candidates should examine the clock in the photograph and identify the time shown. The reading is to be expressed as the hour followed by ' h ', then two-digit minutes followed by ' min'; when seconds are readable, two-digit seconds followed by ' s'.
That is 8 h 18 min
